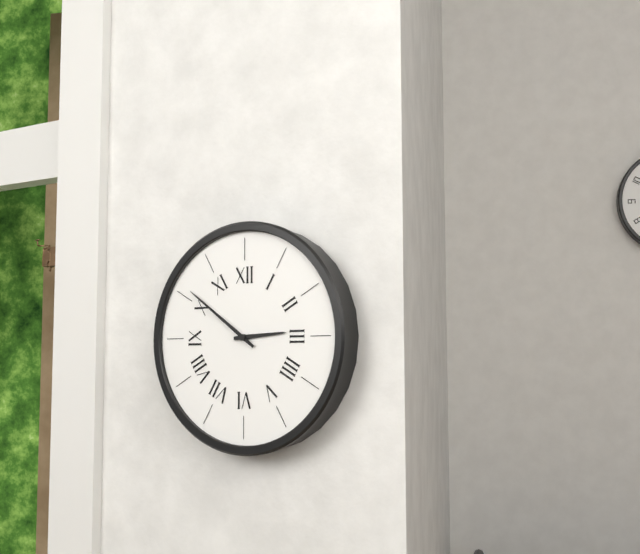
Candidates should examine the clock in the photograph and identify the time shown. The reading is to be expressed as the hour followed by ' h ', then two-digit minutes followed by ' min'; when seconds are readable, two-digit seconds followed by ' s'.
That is 2 h 51 min
